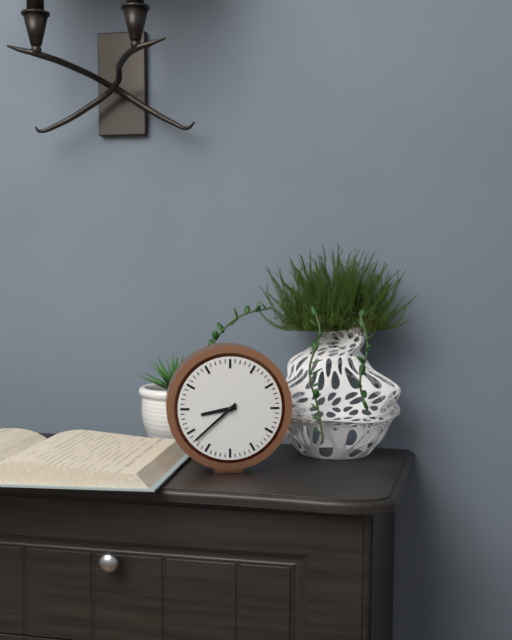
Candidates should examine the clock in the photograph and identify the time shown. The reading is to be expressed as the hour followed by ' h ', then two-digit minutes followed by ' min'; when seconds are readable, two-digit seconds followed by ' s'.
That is 8 h 38 min
